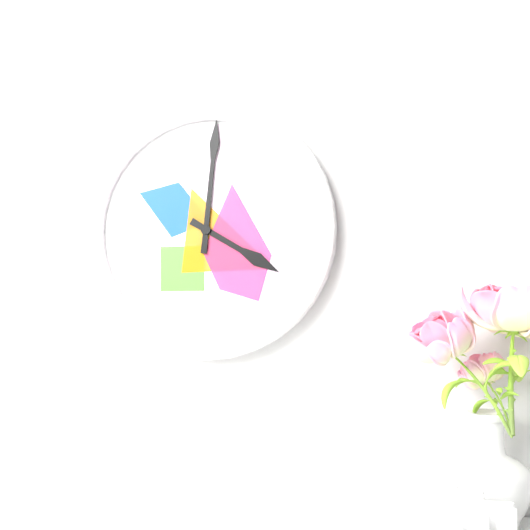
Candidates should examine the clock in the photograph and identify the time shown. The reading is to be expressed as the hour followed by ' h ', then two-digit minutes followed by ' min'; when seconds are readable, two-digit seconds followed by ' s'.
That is 4 h 01 min
